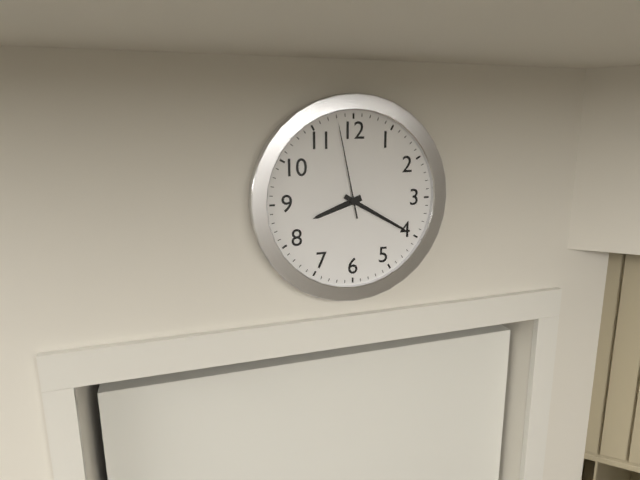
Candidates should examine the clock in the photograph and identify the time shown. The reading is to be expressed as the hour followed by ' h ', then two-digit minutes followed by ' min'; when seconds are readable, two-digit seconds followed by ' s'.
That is 8 h 20 min 58 s
